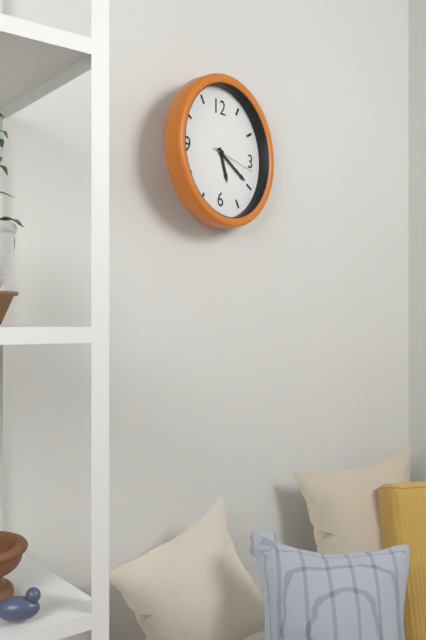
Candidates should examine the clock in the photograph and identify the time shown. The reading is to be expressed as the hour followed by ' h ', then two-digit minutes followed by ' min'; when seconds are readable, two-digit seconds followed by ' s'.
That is 5 h 20 min 17 s
